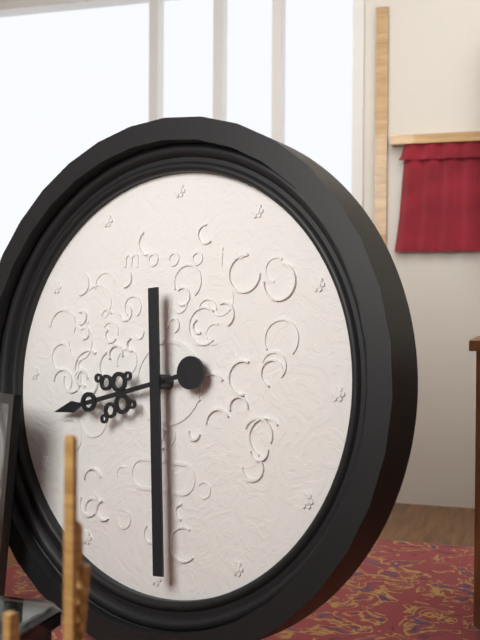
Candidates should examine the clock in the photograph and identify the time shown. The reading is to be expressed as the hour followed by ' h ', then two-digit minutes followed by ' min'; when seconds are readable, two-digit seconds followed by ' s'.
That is 8 h 29 min
